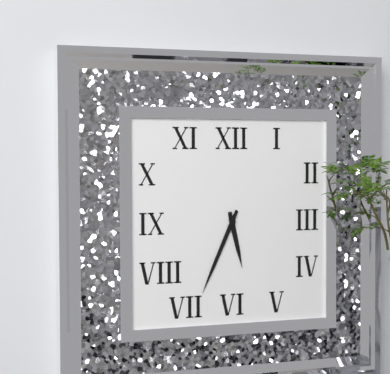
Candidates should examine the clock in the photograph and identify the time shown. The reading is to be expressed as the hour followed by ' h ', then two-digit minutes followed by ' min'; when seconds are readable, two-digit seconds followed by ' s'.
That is 5 h 34 min
